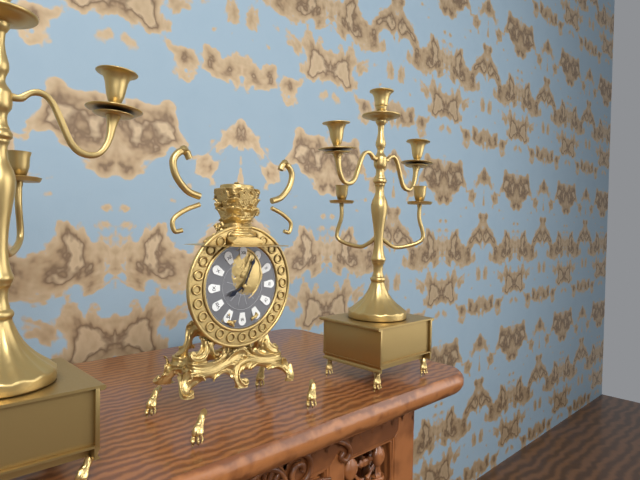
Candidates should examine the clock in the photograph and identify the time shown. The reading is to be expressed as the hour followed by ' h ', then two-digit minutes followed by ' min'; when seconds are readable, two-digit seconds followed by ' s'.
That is 8 h 04 min
